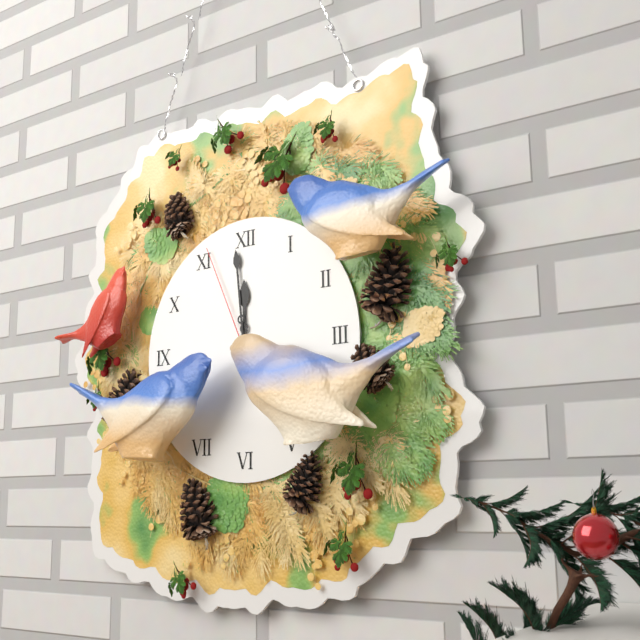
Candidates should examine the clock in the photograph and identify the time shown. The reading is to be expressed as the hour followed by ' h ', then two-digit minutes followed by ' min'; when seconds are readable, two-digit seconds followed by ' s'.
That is 11 h 59 min 56 s
